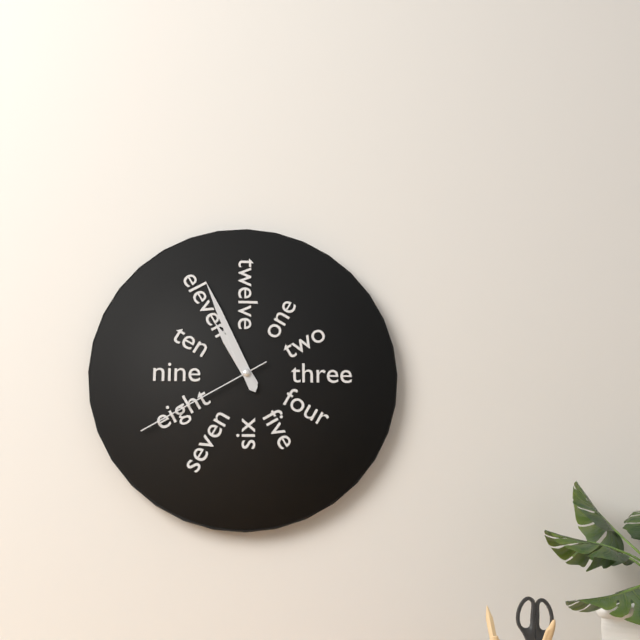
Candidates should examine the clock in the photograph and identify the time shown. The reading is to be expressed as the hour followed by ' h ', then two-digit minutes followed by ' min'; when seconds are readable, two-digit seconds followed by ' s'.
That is 10 h 56 min 40 s
